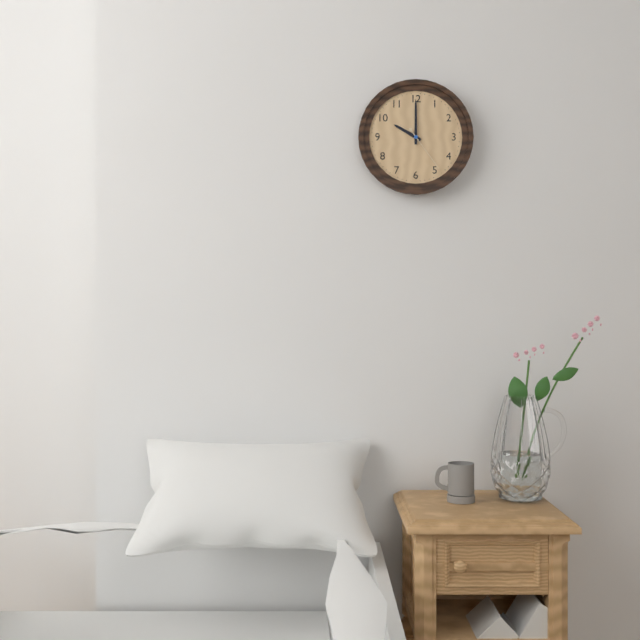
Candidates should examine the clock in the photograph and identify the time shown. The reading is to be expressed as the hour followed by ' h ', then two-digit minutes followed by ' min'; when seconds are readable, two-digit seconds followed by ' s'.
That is 10 h 00 min
